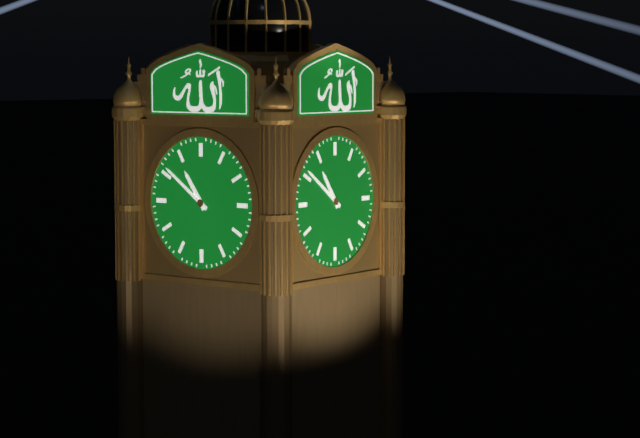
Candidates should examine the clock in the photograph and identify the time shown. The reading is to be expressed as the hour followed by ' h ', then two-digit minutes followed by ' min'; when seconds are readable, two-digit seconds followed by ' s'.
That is 10 h 51 min
